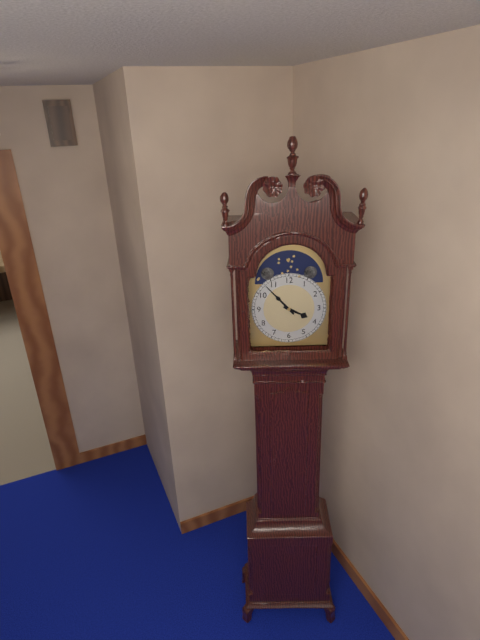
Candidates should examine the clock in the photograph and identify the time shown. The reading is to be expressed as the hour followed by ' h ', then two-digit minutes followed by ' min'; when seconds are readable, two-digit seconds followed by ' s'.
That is 3 h 53 min
